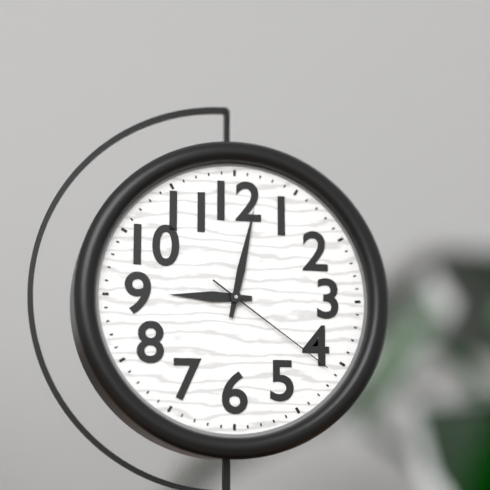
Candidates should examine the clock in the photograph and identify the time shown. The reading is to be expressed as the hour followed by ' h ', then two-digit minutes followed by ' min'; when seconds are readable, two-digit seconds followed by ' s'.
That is 9 h 02 min 21 s
